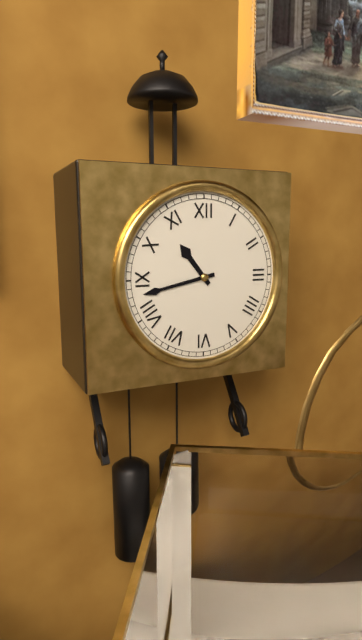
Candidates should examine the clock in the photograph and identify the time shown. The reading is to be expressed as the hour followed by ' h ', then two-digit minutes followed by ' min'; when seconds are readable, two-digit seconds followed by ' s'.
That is 10 h 43 min
